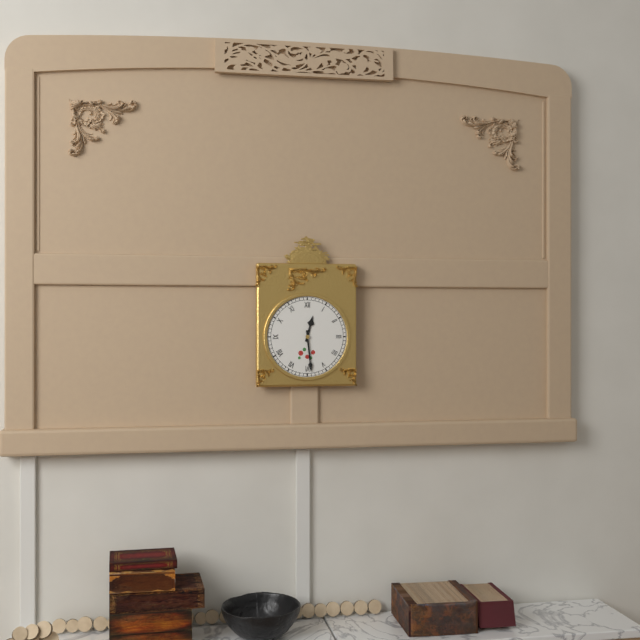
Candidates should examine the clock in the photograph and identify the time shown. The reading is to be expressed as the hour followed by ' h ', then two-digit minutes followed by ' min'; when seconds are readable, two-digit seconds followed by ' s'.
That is 12 h 29 min
